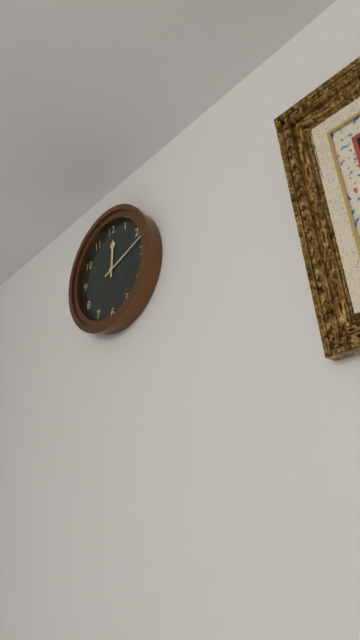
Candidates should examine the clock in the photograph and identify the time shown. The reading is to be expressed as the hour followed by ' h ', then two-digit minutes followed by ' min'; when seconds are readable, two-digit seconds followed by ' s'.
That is 12 h 12 min
